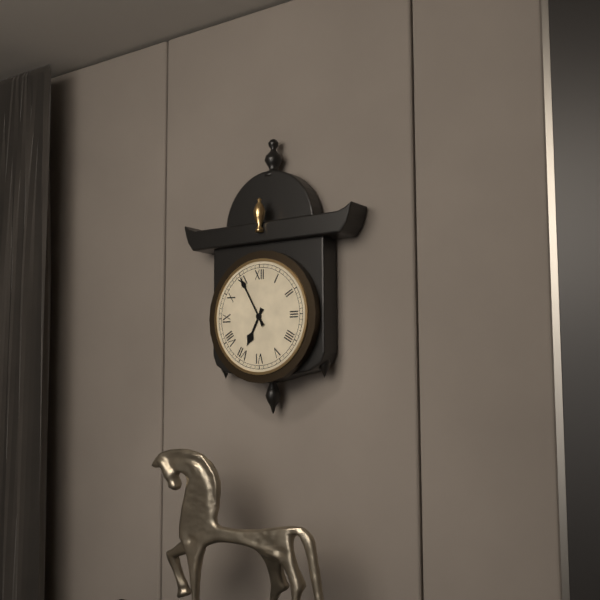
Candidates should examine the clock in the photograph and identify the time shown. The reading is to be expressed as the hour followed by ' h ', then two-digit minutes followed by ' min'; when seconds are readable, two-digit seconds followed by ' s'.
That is 6 h 55 min
